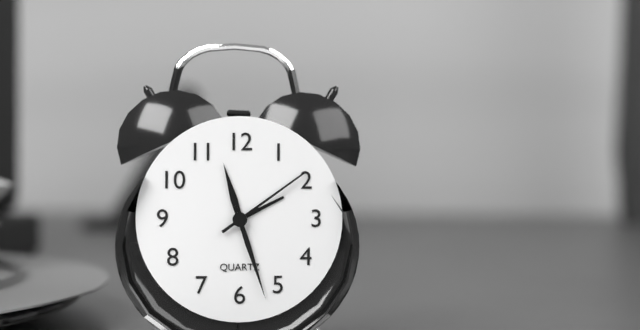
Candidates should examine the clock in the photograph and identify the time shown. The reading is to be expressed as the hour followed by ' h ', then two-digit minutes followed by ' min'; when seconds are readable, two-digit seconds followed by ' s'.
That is 11 h 27 min 09 s
